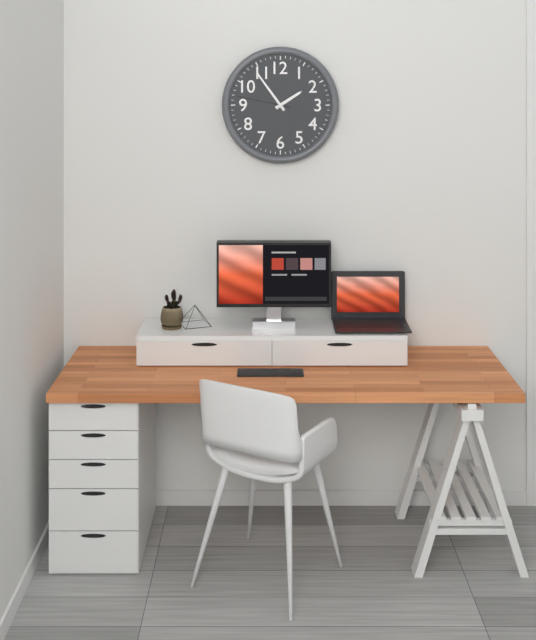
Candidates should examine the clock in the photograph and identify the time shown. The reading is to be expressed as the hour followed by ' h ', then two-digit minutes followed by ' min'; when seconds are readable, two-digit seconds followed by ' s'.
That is 1 h 54 min 47 s
